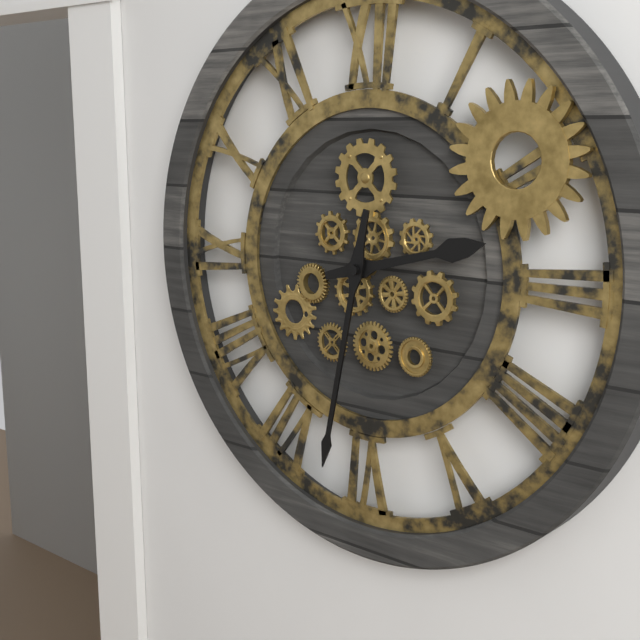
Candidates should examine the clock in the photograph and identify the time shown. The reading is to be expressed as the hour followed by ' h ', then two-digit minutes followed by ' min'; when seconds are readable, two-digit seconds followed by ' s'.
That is 2 h 32 min
